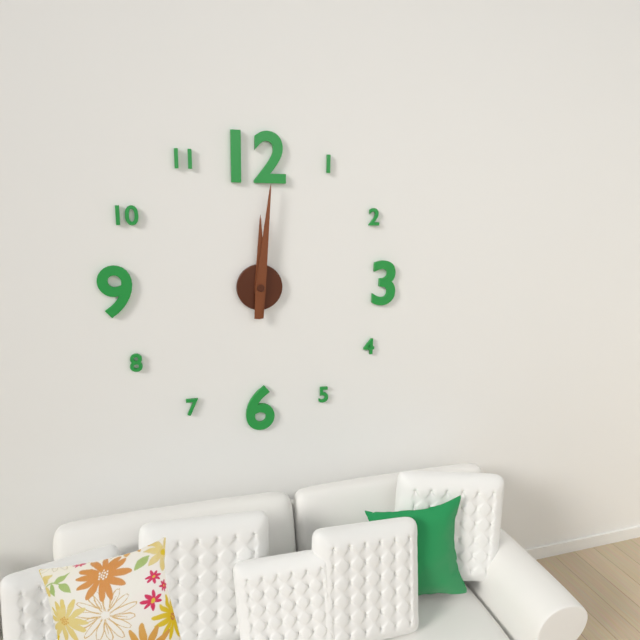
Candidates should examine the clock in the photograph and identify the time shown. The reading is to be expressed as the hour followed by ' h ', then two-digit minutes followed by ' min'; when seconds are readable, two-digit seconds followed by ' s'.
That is 12 h 01 min
